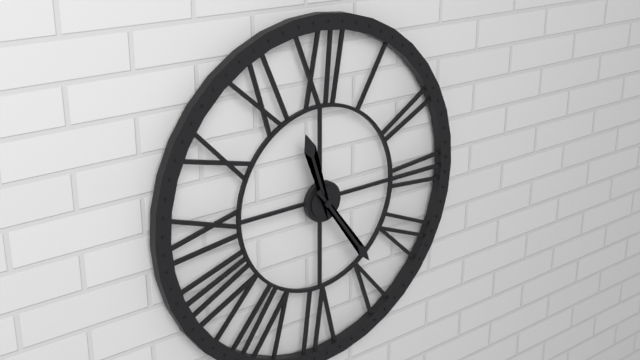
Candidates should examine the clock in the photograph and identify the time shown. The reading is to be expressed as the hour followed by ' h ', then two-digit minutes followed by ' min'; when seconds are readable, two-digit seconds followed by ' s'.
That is 11 h 24 min
